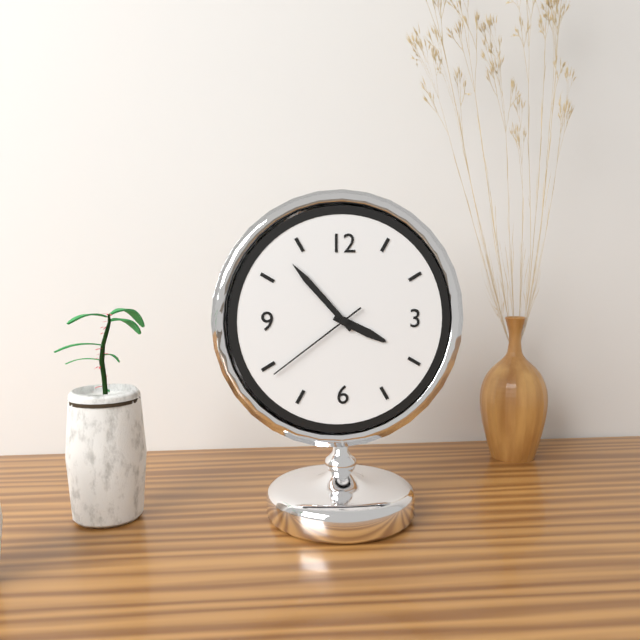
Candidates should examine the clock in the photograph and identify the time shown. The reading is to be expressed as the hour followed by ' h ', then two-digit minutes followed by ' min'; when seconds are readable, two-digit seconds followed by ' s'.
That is 3 h 53 min 39 s
